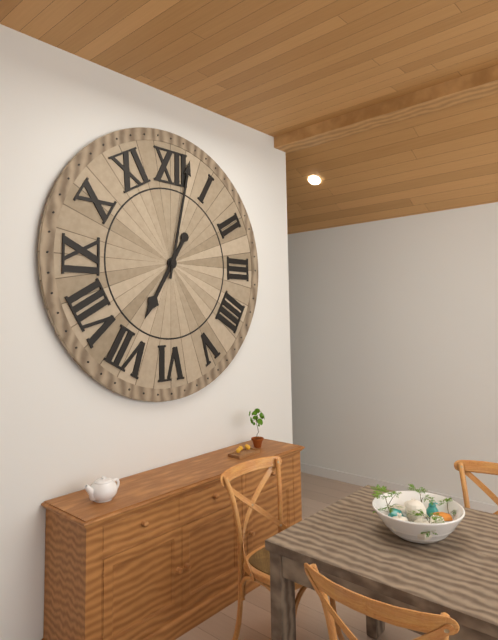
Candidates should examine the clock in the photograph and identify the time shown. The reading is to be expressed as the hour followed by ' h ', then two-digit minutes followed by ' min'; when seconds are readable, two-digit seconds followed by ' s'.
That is 7 h 02 min
